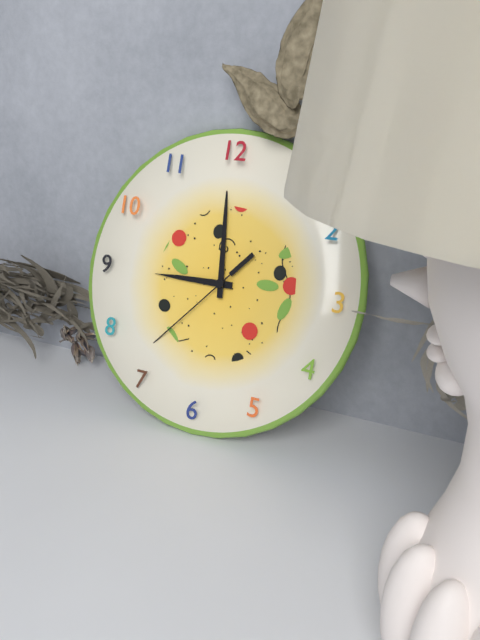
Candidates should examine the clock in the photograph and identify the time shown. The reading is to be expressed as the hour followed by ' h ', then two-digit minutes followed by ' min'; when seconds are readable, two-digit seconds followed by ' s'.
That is 8 h 59 min 37 s
